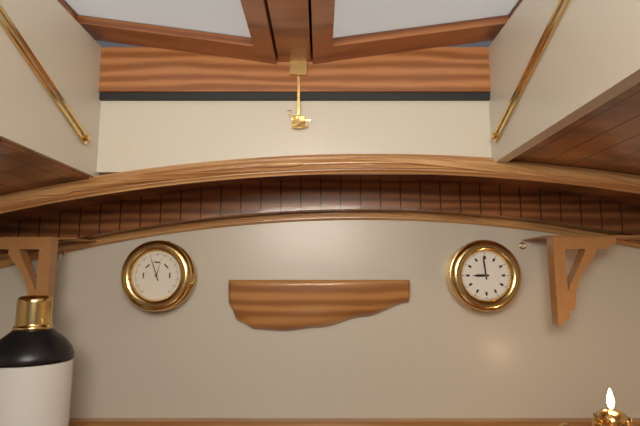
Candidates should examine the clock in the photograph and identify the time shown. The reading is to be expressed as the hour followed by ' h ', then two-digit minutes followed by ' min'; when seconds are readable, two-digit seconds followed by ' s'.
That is 8 h 59 min
